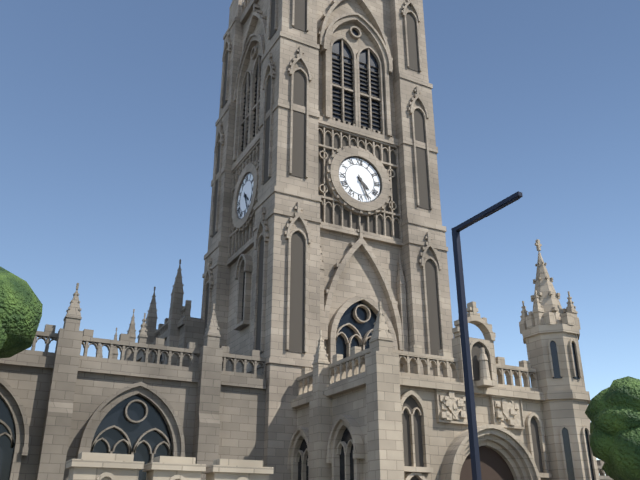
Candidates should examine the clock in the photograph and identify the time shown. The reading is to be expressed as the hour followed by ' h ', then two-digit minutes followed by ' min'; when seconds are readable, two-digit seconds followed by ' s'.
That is 4 h 26 min
